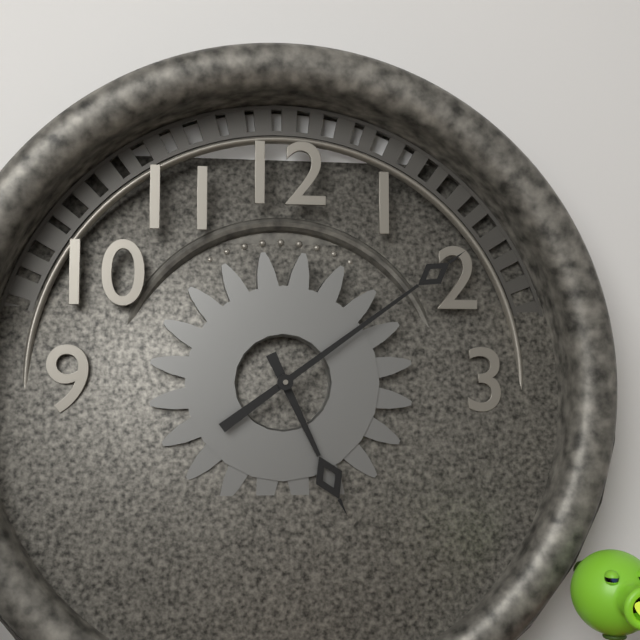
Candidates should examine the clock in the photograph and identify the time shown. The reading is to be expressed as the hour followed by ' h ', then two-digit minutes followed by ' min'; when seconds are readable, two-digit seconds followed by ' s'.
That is 5 h 09 min
